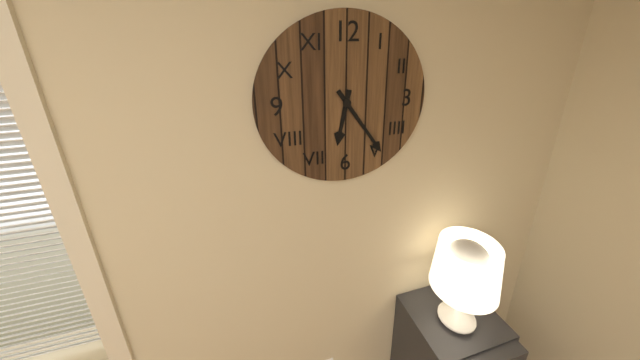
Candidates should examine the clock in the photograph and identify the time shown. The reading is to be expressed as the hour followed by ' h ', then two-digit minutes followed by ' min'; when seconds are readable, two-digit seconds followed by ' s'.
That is 6 h 24 min
